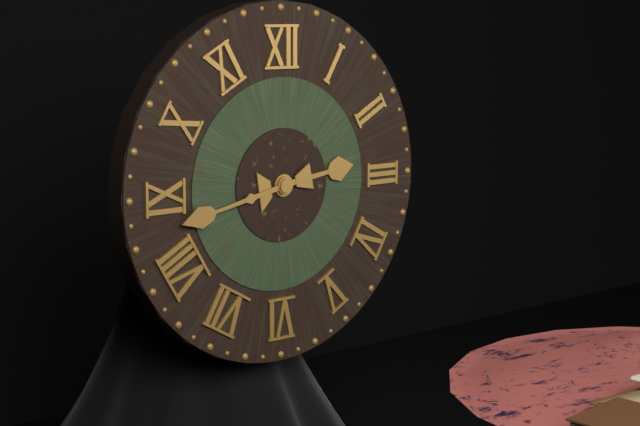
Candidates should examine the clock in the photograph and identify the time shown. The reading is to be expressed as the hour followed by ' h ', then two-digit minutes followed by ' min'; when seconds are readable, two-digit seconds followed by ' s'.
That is 2 h 43 min
